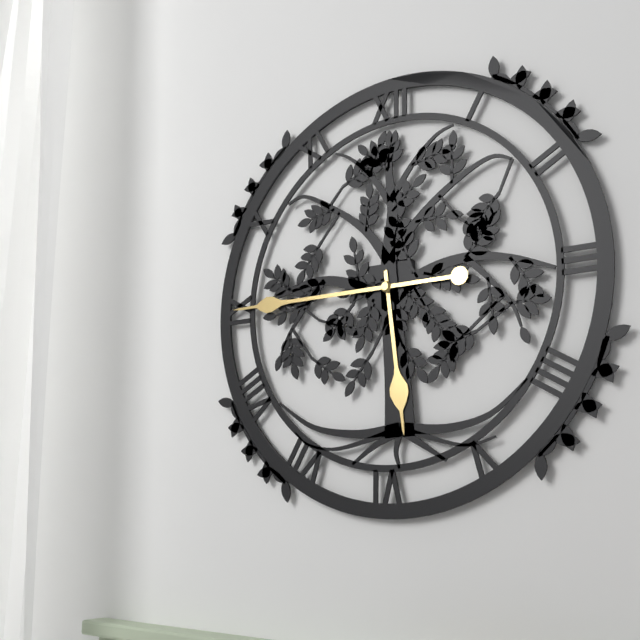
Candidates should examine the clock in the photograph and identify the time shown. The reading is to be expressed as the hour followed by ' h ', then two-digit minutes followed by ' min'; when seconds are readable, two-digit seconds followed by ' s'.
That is 5 h 45 min
